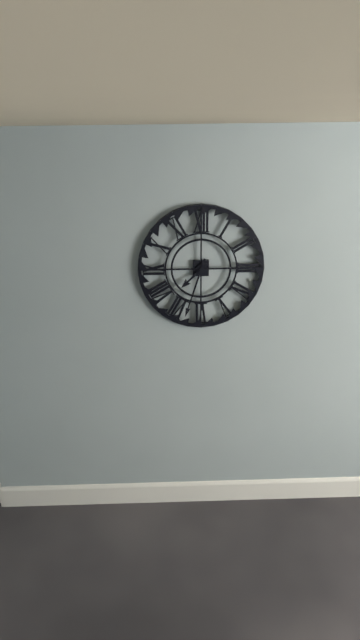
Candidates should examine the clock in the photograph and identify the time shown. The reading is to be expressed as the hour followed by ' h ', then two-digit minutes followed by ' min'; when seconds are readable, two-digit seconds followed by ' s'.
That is 7 h 33 min
